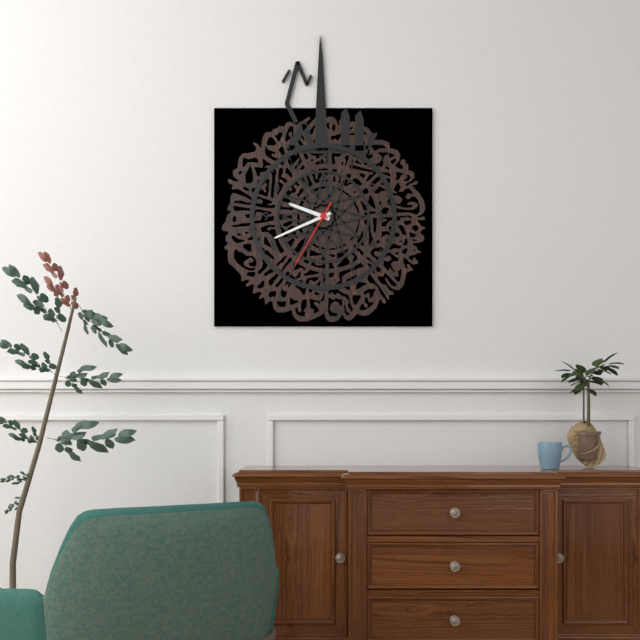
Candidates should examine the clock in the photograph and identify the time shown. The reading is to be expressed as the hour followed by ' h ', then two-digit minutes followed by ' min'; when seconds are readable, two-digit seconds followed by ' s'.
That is 9 h 41 min 35 s
